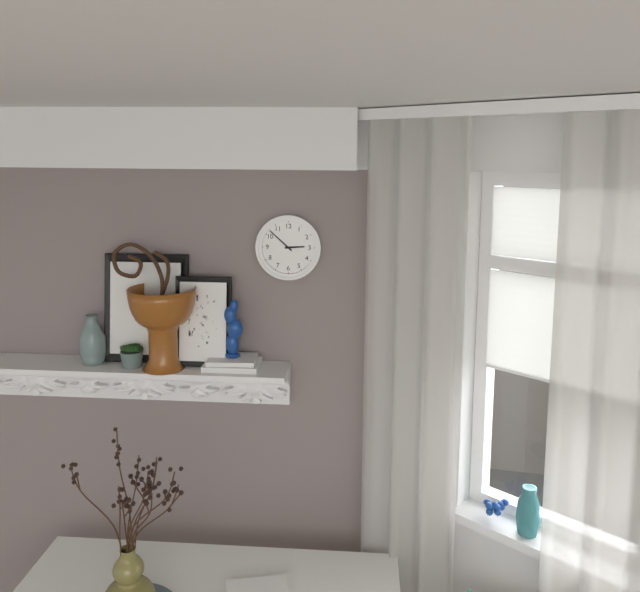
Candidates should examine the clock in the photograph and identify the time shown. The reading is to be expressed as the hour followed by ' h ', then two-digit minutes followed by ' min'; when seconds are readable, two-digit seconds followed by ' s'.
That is 2 h 52 min
